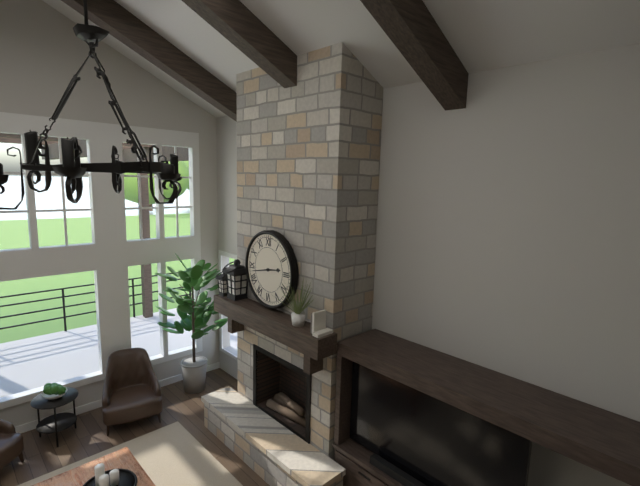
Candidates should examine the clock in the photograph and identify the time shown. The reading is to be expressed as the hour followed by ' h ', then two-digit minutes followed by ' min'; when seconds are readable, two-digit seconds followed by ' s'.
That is 2 h 43 min
